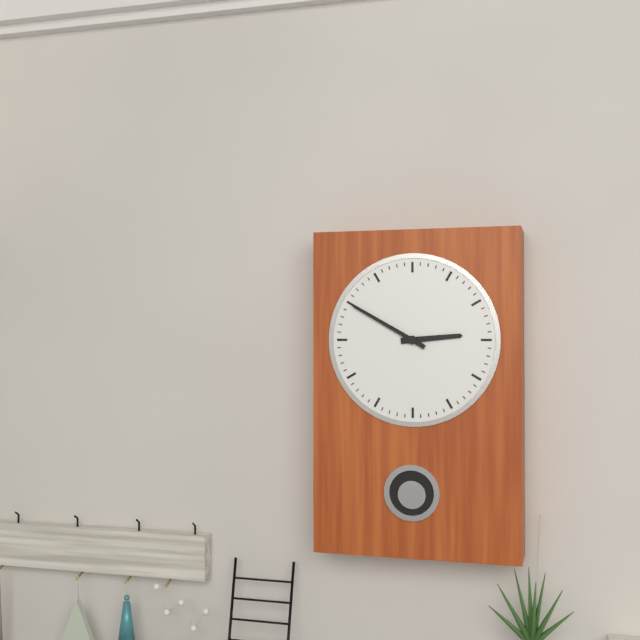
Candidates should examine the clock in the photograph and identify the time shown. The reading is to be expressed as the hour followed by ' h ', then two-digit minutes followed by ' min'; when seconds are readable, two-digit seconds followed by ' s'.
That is 2 h 50 min
